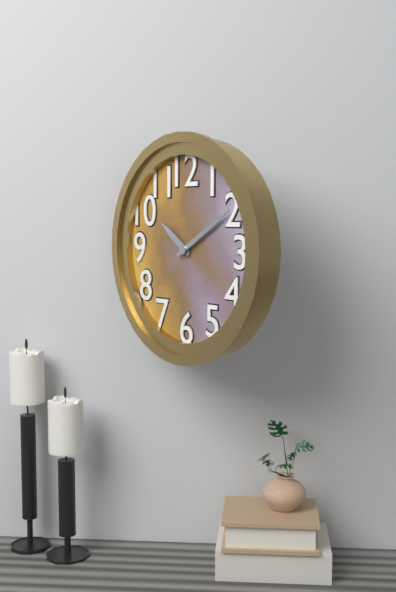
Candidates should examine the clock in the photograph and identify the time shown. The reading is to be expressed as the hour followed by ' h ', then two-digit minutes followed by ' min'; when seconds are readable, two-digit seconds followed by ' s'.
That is 10 h 10 min
